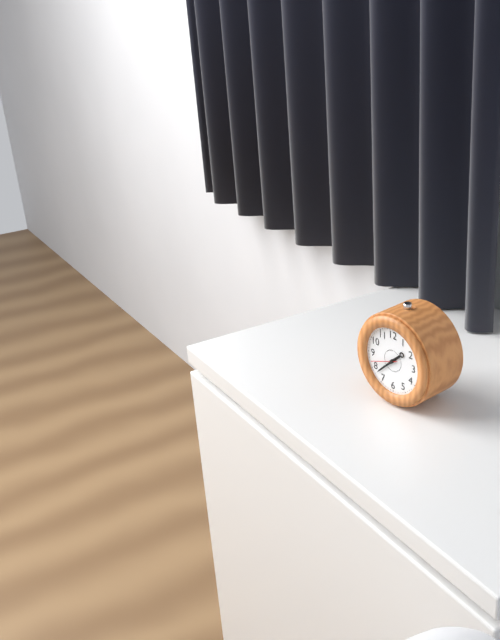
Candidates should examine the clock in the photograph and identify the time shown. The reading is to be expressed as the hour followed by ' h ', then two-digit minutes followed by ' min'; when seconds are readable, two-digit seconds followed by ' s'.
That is 1 h 38 min 42 s
